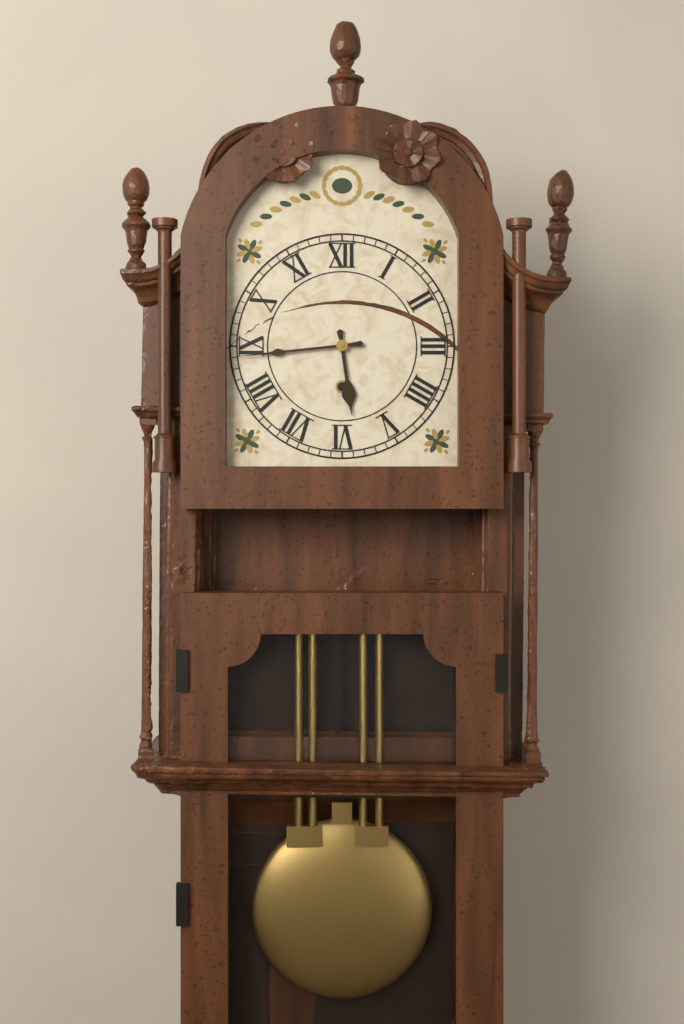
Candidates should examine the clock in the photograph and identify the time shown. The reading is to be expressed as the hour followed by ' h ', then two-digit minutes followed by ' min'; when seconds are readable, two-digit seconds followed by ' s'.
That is 5 h 44 min
